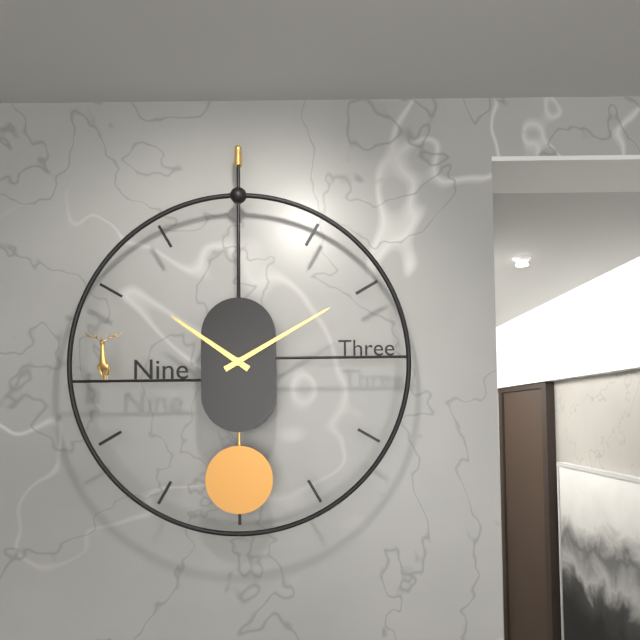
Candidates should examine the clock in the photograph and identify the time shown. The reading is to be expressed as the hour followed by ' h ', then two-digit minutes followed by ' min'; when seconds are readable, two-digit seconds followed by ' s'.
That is 10 h 10 min
